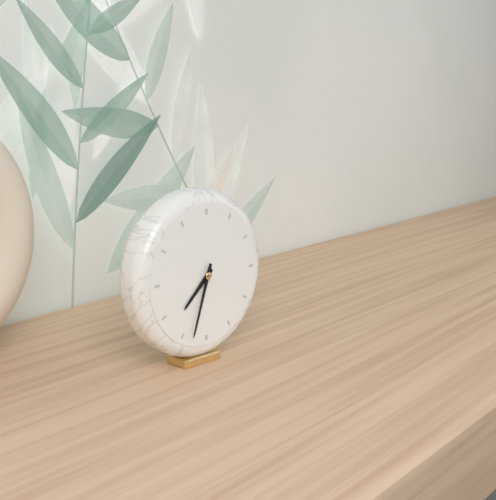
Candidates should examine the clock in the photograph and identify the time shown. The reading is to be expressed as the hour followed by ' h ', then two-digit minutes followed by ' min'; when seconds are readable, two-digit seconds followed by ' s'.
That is 7 h 33 min
